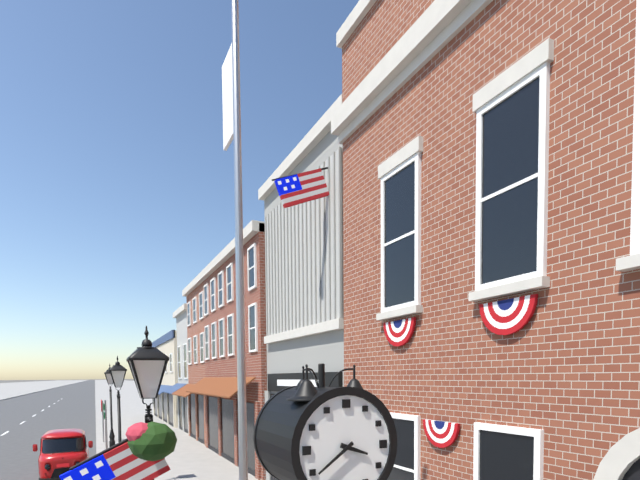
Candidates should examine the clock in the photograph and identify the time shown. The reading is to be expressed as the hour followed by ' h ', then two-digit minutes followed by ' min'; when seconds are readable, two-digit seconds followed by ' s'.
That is 3 h 39 min
